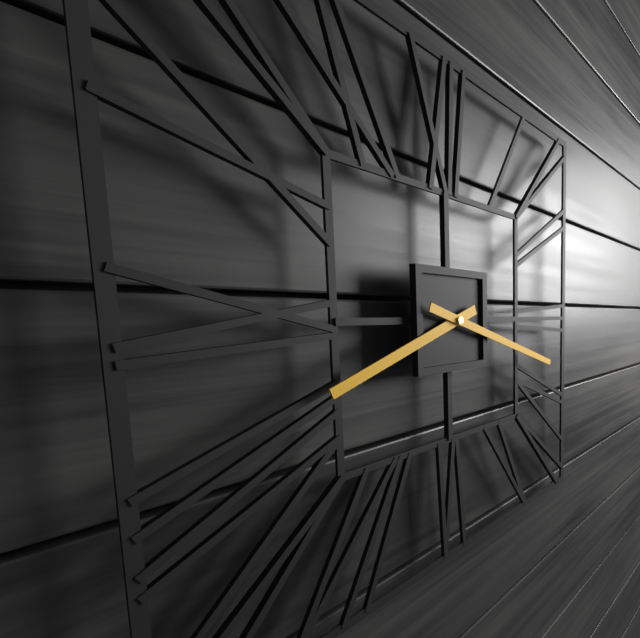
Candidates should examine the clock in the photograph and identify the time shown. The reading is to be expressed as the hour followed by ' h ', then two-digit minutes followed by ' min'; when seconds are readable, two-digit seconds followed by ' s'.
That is 8 h 18 min
